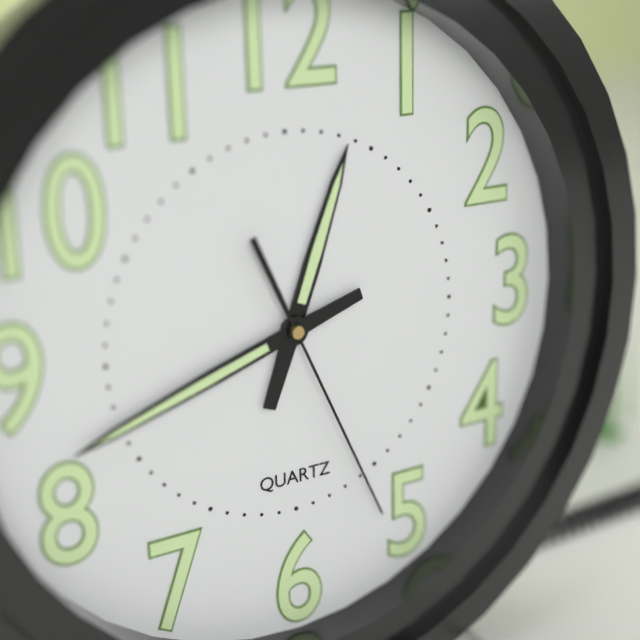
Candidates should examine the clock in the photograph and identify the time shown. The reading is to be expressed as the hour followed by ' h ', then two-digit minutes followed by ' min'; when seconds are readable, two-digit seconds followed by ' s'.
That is 12 h 42 min 26 s
